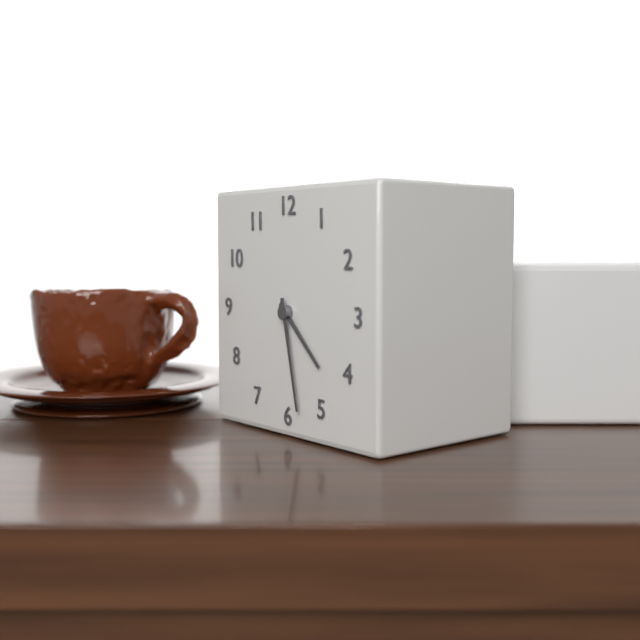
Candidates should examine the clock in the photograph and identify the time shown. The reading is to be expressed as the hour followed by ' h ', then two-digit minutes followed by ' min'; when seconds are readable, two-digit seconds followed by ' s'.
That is 4 h 28 min
